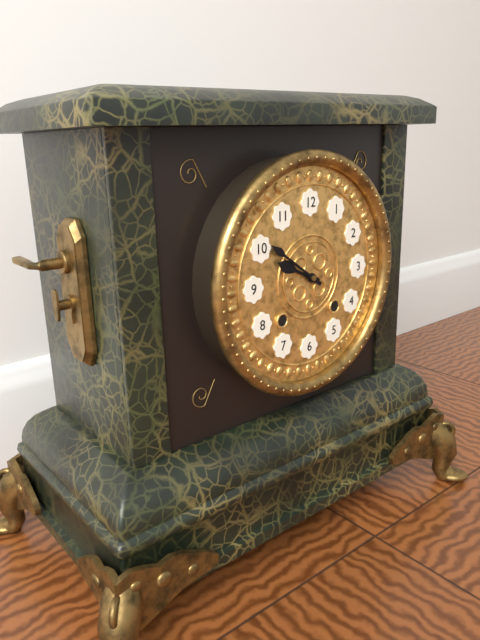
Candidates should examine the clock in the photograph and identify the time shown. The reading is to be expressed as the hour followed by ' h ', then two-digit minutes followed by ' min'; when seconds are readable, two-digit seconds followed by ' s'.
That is 9 h 51 min
